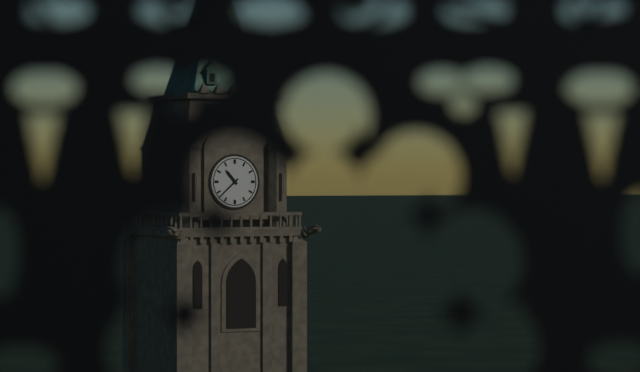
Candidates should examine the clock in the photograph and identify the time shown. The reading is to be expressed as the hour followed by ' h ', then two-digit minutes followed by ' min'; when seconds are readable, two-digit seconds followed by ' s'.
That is 10 h 38 min
